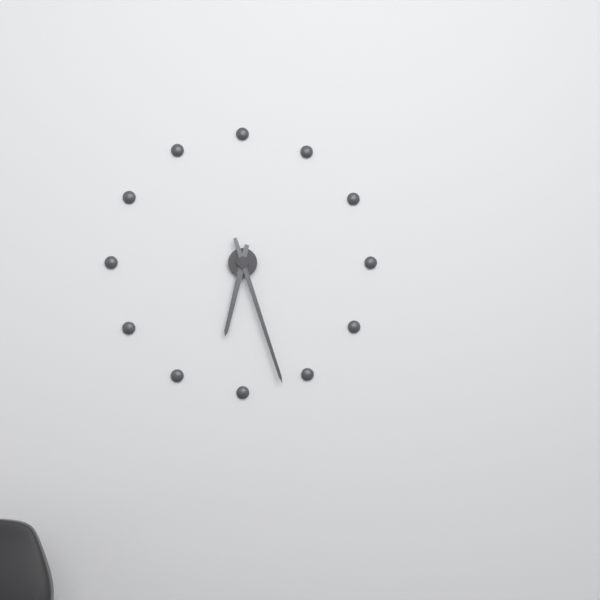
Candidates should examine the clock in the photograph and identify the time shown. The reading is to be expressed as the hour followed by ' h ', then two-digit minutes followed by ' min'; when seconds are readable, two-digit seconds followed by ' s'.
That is 6 h 27 min
